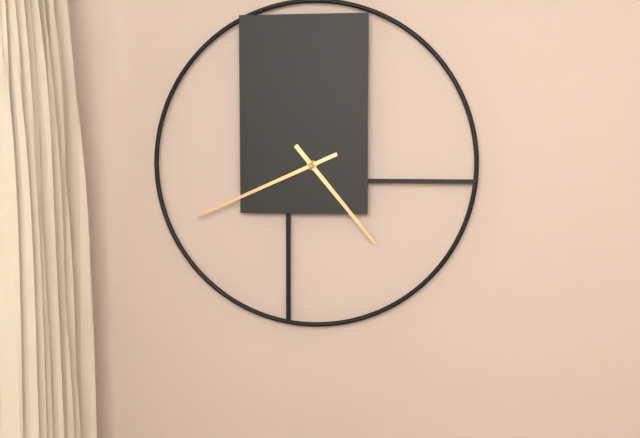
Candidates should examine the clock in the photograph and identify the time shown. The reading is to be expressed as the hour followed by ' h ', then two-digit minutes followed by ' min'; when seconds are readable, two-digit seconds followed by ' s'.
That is 4 h 41 min
